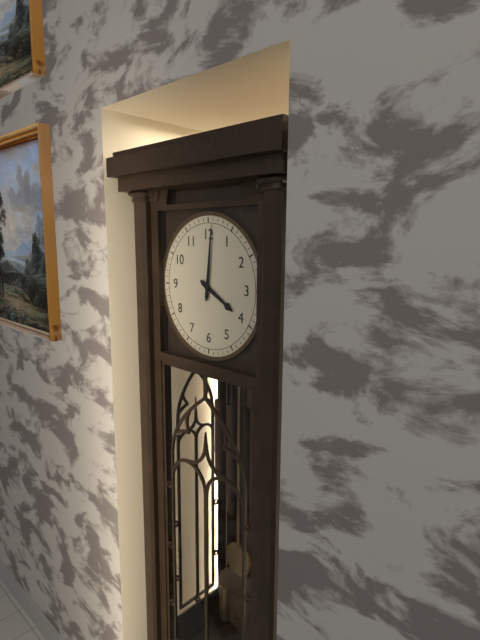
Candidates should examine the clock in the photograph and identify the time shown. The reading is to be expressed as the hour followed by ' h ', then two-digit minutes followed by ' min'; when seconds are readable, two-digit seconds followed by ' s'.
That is 4 h 01 min
